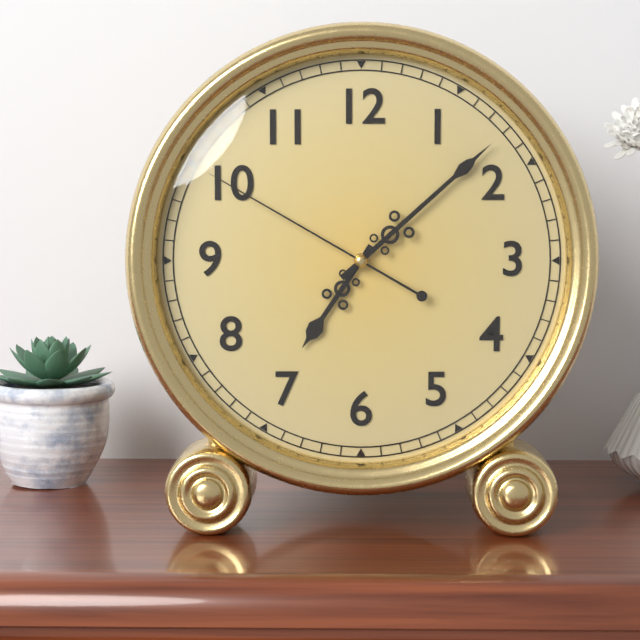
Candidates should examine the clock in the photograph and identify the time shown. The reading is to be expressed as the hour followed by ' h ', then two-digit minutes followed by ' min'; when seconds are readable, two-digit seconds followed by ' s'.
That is 7 h 08 min 50 s
